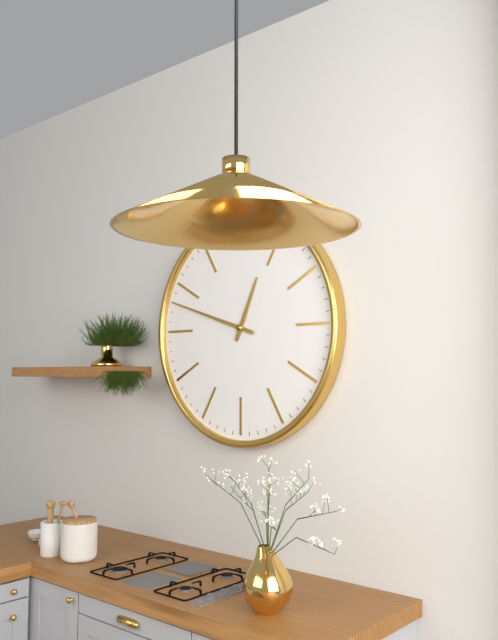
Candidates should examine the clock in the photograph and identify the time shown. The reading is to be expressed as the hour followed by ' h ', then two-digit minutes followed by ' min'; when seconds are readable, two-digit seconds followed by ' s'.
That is 12 h 48 min
